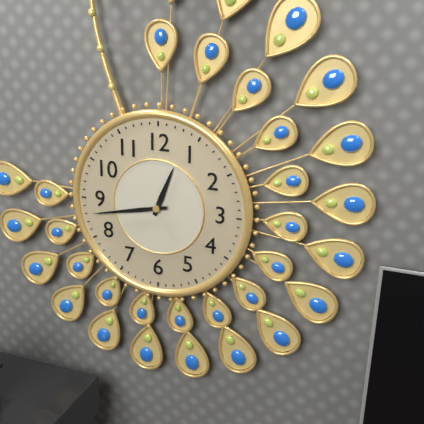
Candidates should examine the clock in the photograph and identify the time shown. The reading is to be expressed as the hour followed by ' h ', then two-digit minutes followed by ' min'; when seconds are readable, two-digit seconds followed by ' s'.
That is 12 h 43 min
